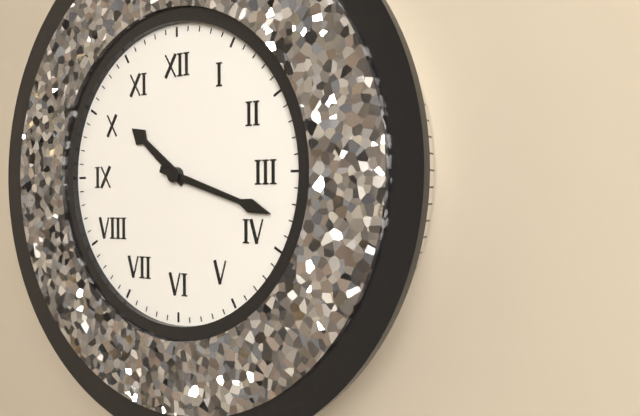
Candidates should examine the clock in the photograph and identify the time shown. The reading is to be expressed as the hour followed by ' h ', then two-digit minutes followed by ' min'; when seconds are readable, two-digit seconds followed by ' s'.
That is 10 h 18 min
